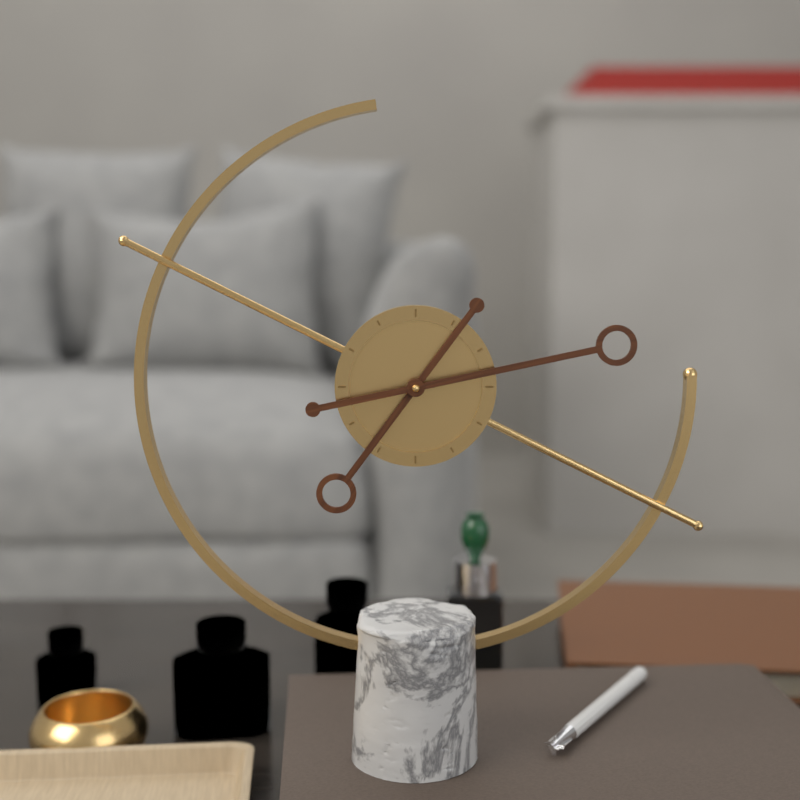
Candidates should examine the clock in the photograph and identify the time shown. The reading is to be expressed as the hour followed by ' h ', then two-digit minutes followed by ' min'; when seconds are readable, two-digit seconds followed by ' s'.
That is 7 h 13 min
